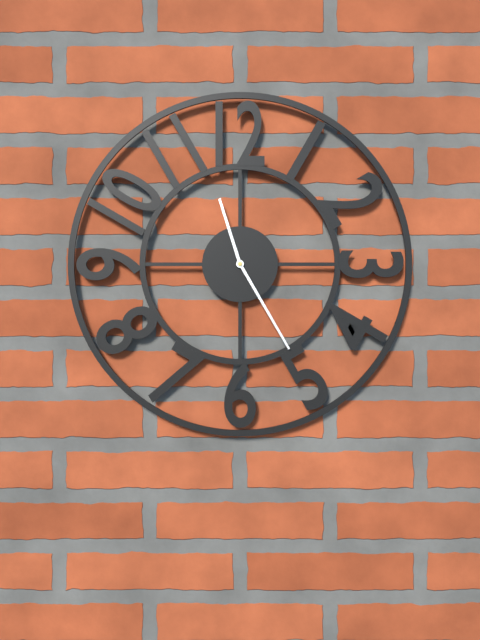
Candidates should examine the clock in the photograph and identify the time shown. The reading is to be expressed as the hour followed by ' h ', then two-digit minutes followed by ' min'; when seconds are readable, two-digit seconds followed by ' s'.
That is 11 h 25 min
